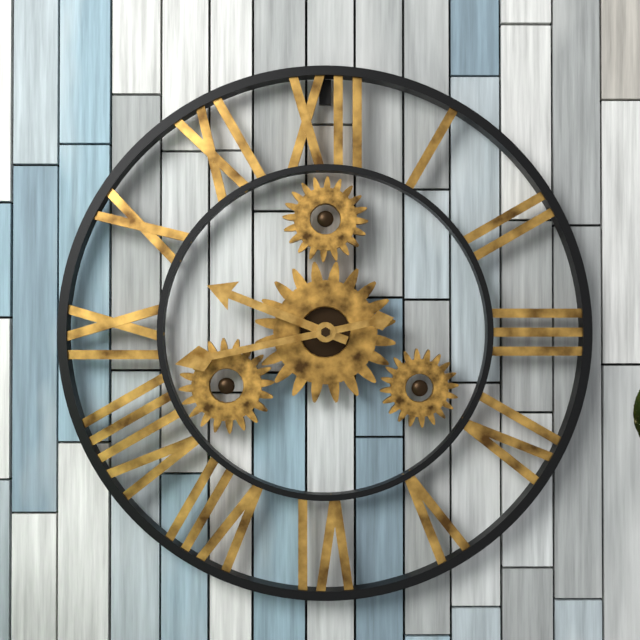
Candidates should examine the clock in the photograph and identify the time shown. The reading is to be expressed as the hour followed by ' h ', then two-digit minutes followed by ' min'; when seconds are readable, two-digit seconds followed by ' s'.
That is 9 h 43 min
